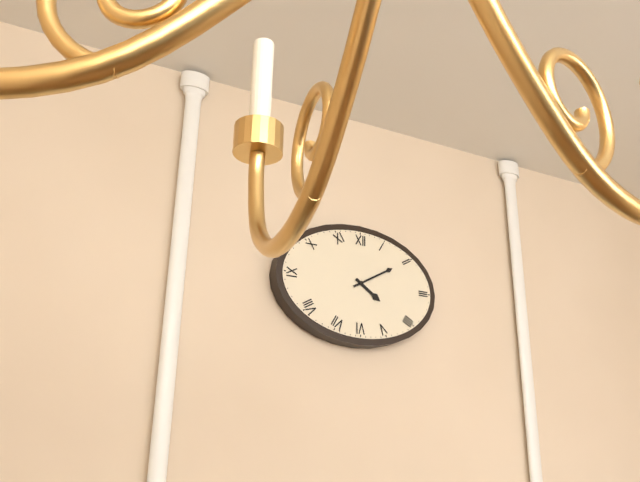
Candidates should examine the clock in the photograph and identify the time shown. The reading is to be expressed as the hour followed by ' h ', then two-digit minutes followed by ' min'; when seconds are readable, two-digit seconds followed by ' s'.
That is 4 h 10 min
